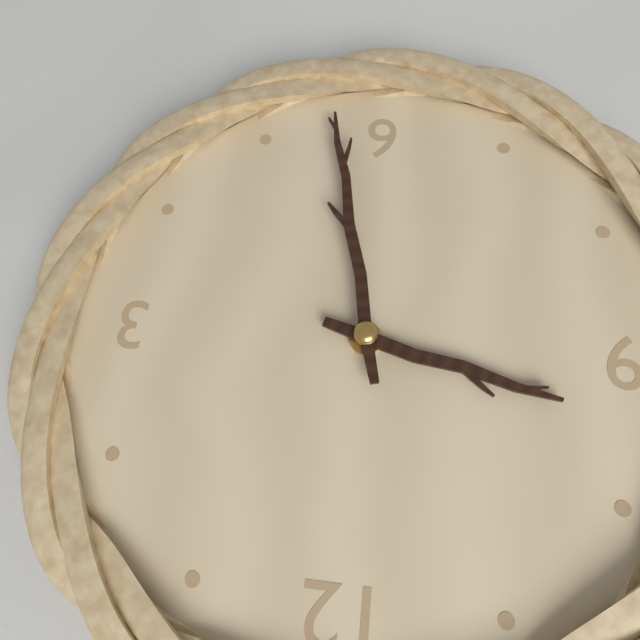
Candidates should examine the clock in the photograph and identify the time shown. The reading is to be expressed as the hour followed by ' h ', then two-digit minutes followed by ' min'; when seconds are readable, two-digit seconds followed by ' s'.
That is 9 h 28 min
